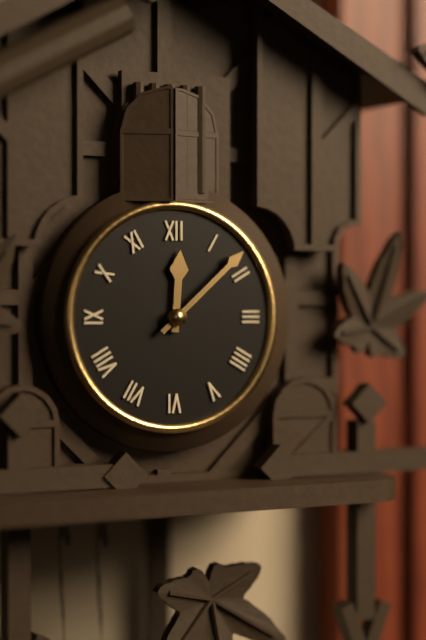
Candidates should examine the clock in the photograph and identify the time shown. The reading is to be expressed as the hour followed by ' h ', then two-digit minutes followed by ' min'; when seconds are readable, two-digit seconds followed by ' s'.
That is 12 h 08 min
